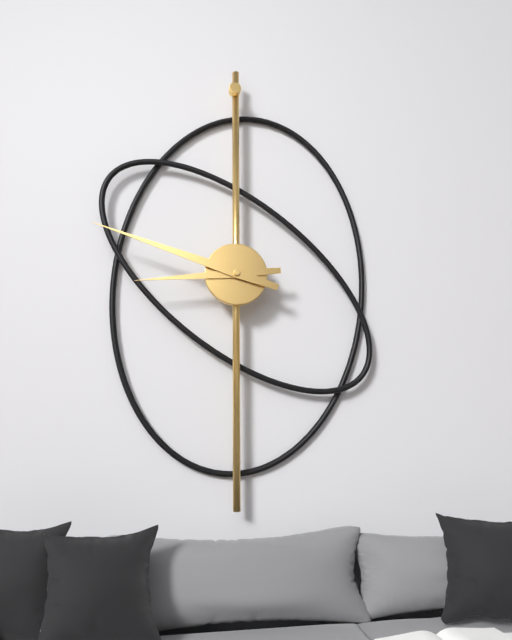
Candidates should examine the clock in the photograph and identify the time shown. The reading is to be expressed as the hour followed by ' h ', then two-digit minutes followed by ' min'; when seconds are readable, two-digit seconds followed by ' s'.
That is 8 h 48 min
